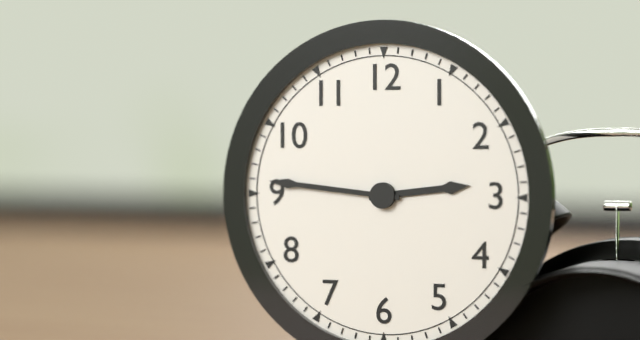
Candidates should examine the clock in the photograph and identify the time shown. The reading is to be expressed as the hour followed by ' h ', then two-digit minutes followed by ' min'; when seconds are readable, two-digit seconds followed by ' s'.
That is 2 h 46 min
